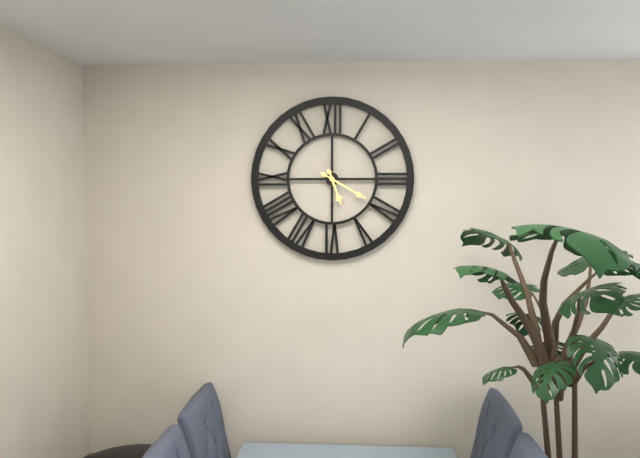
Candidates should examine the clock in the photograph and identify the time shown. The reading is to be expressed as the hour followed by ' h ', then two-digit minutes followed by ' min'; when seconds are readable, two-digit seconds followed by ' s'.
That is 5 h 20 min
